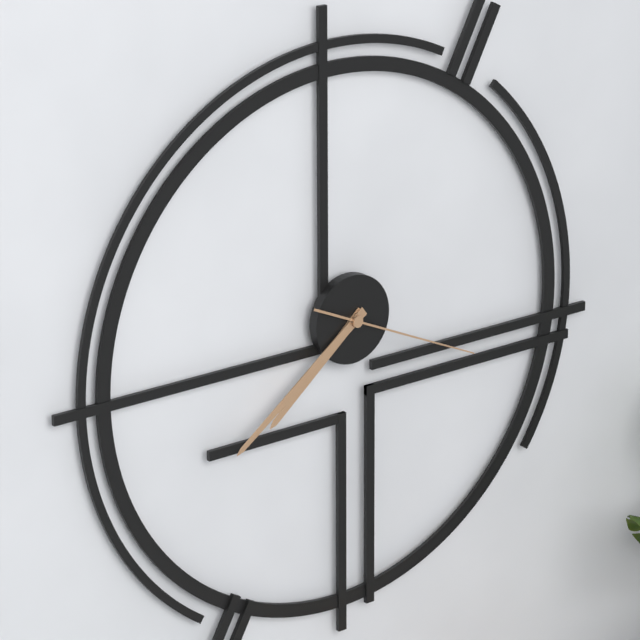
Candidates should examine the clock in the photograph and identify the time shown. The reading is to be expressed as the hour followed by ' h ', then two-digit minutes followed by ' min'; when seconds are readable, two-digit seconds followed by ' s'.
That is 7 h 39 min 19 s
